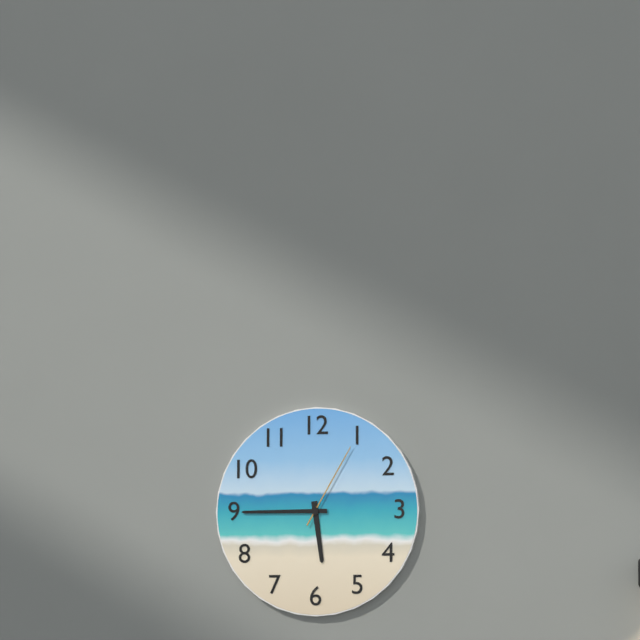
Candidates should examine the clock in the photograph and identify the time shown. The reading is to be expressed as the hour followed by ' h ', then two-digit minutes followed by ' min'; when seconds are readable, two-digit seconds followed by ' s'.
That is 5 h 45 min 05 s
